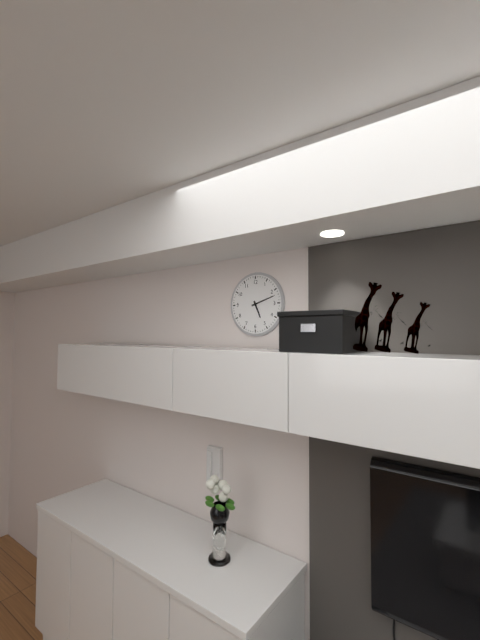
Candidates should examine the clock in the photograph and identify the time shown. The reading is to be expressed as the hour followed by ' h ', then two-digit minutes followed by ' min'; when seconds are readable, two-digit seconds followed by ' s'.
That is 5 h 12 min
